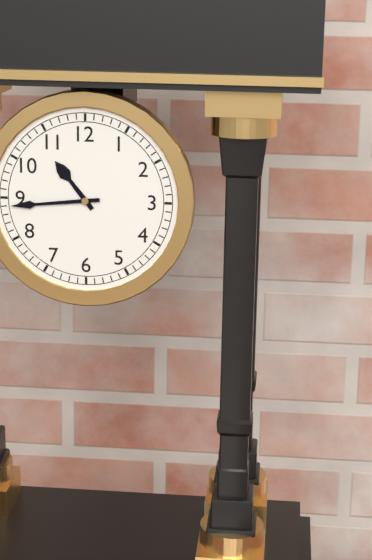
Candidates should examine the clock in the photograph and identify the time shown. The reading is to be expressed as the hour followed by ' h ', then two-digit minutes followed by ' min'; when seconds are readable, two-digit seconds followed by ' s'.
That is 10 h 44 min
